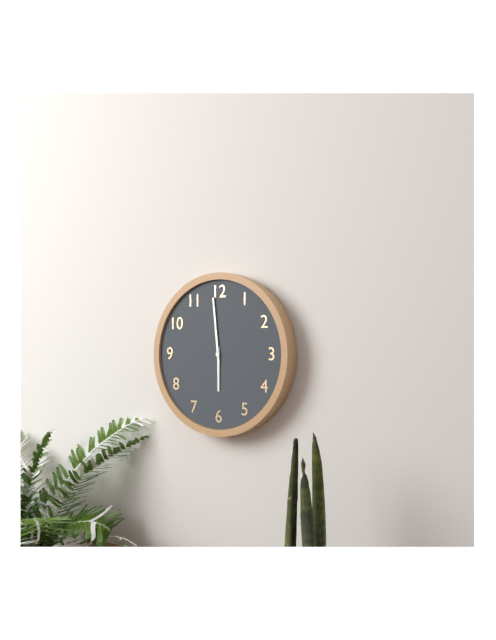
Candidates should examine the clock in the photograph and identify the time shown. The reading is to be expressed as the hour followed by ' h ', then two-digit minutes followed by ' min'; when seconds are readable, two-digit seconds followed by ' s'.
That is 5 h 59 min
